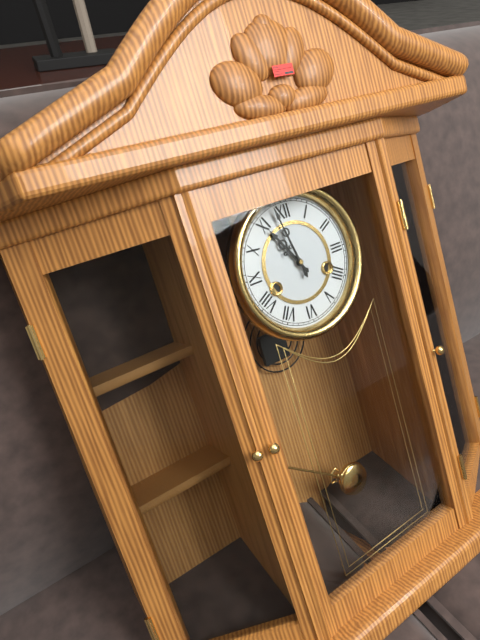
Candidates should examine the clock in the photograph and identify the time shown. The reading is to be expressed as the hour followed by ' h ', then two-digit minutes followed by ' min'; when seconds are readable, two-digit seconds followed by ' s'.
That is 10 h 58 min
